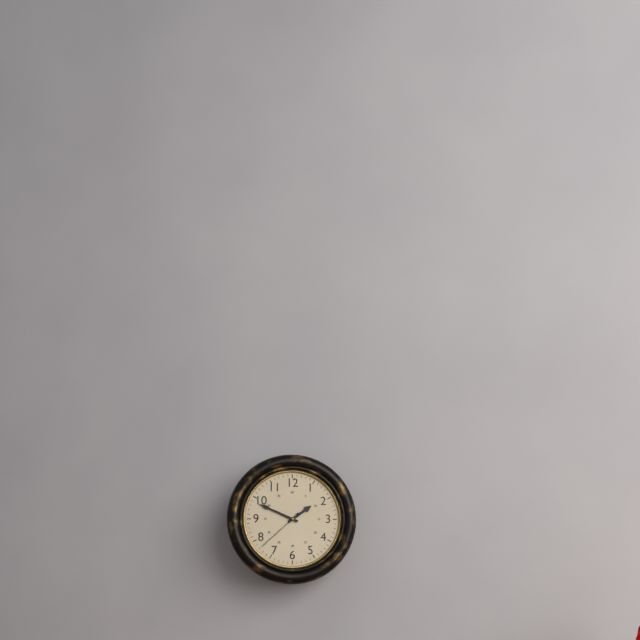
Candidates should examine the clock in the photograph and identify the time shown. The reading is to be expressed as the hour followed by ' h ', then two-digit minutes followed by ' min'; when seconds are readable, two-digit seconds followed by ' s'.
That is 1 h 49 min 38 s
